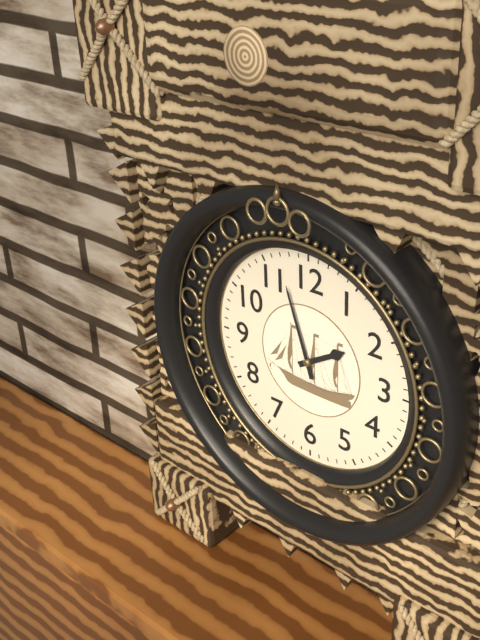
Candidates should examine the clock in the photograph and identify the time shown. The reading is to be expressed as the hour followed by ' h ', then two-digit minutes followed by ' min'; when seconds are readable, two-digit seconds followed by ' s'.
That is 1 h 57 min
